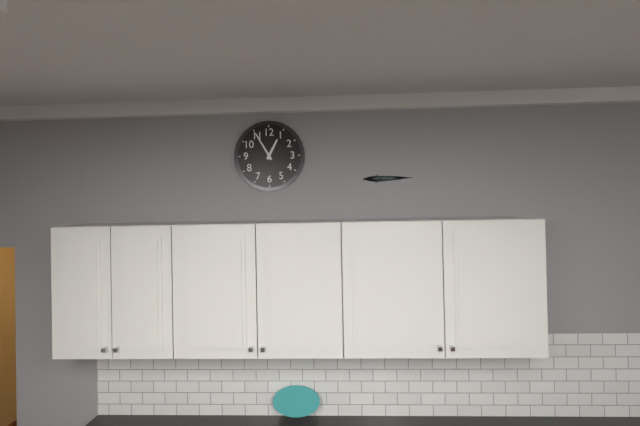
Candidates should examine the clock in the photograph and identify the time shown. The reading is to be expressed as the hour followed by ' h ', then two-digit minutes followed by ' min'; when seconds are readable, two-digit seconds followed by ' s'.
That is 12 h 55 min
